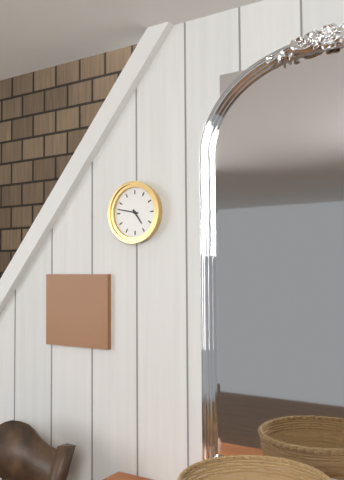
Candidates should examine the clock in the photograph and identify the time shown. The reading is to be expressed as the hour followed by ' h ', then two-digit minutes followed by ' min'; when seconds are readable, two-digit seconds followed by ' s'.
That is 4 h 47 min
